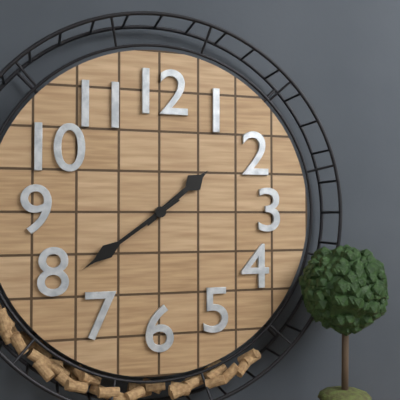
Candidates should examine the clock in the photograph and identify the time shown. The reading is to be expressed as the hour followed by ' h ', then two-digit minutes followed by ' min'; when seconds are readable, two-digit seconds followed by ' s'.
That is 1 h 39 min
